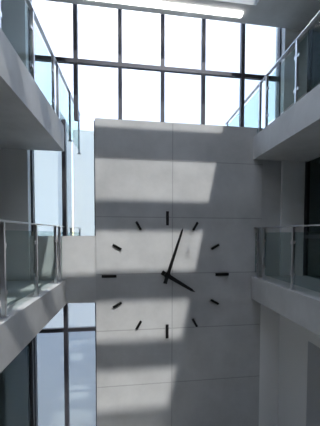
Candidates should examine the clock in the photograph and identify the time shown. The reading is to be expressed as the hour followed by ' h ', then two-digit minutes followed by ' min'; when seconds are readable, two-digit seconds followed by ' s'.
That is 4 h 03 min
